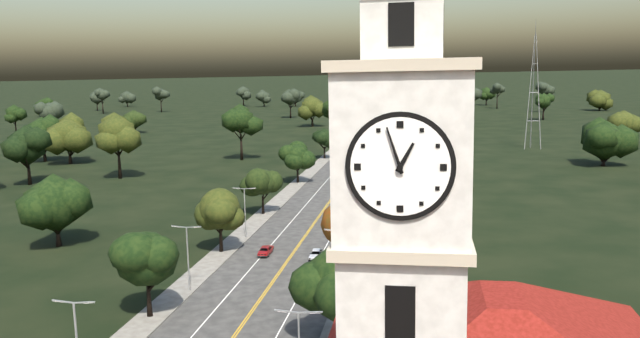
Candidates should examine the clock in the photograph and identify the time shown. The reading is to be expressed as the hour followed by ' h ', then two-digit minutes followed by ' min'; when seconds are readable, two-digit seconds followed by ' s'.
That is 12 h 57 min
